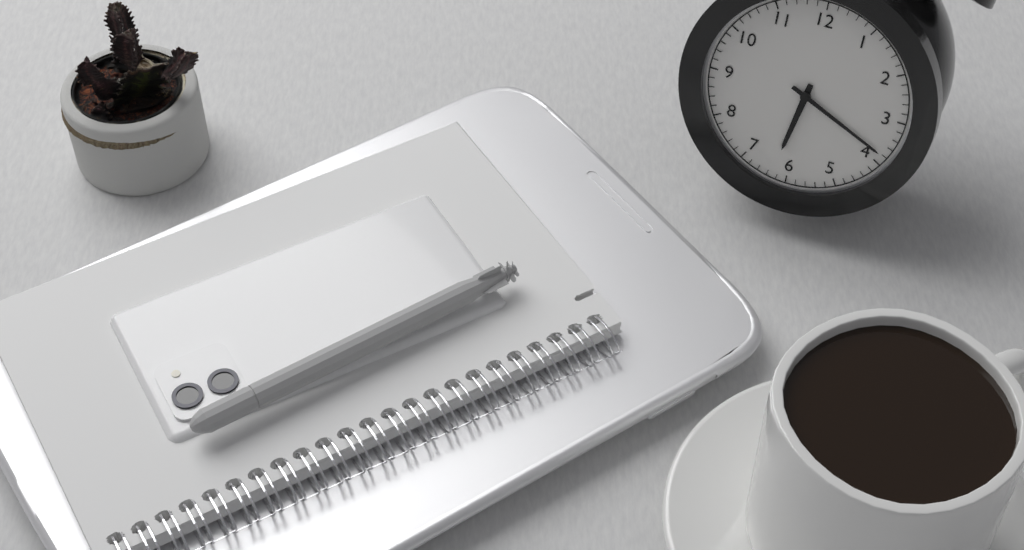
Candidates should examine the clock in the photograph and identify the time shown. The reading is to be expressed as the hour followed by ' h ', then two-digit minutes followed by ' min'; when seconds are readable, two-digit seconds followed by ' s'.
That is 6 h 19 min
